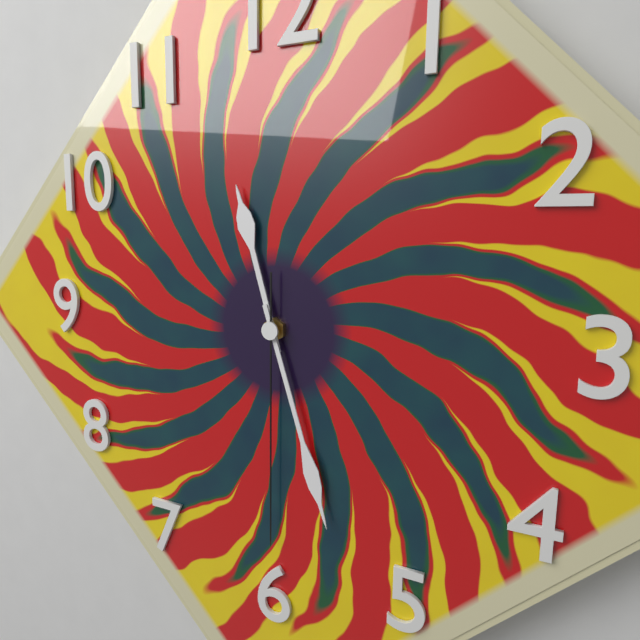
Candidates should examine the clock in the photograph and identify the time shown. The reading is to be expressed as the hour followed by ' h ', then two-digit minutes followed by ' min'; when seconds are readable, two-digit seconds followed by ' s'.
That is 11 h 27 min 30 s
